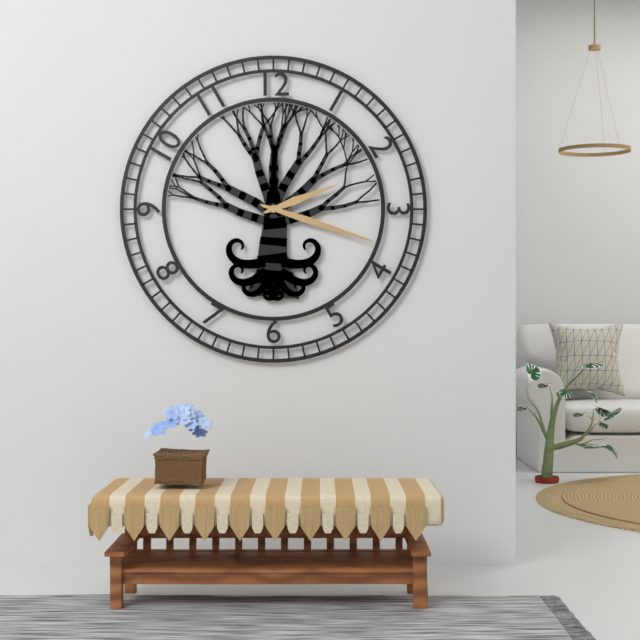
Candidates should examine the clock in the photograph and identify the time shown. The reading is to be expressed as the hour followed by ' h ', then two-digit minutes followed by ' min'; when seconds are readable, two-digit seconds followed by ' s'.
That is 2 h 18 min
